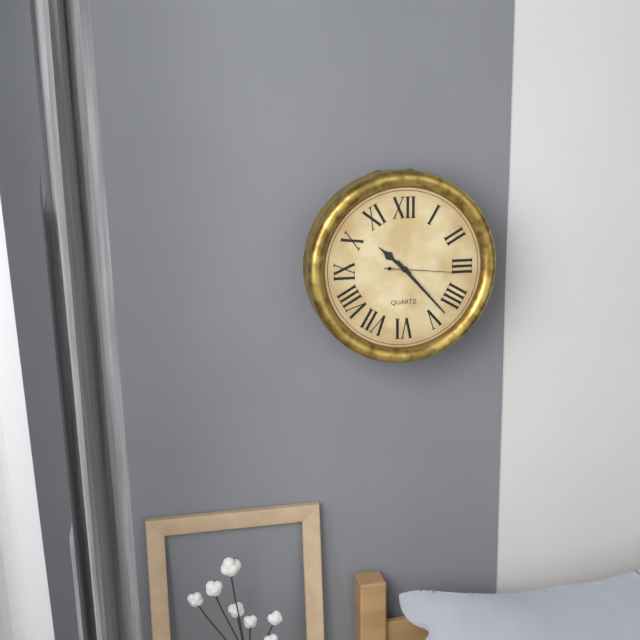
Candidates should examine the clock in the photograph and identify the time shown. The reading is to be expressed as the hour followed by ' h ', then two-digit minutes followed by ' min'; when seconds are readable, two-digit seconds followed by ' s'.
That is 10 h 23 min 16 s
